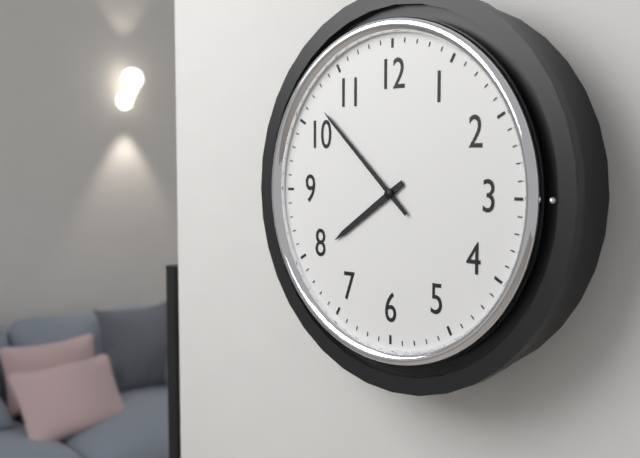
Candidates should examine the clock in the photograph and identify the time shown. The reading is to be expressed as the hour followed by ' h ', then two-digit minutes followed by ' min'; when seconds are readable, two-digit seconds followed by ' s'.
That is 7 h 52 min
